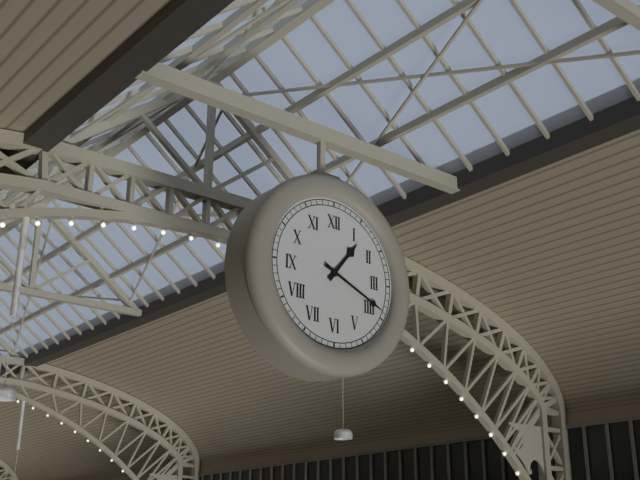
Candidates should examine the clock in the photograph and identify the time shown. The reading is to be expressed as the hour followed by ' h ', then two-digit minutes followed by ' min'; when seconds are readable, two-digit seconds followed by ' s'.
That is 1 h 19 min
